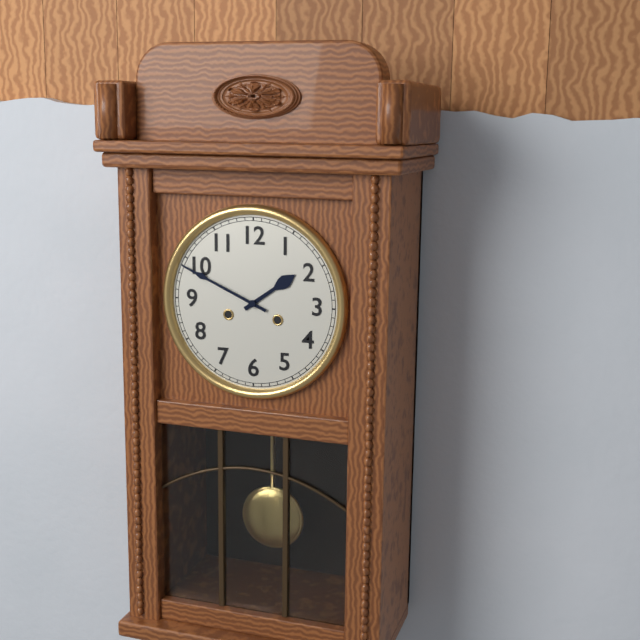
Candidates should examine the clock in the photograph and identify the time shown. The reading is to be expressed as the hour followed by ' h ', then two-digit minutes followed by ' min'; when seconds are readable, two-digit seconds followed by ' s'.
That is 1 h 49 min
